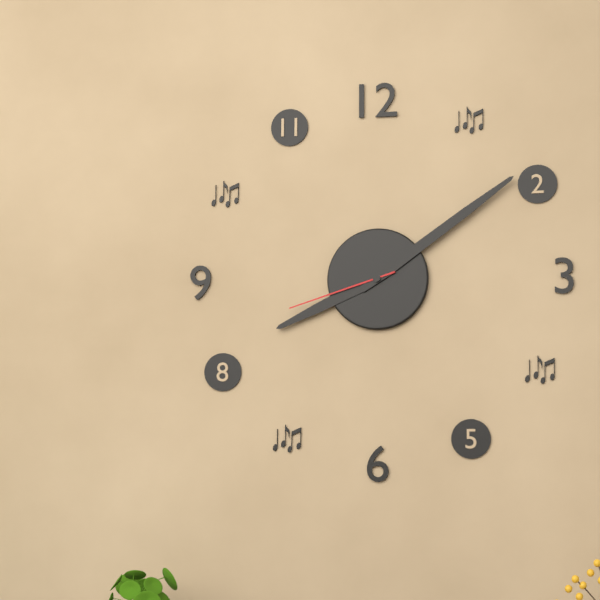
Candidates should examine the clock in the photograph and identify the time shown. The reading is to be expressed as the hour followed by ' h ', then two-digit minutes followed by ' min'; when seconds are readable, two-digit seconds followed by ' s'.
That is 8 h 09 min 42 s
